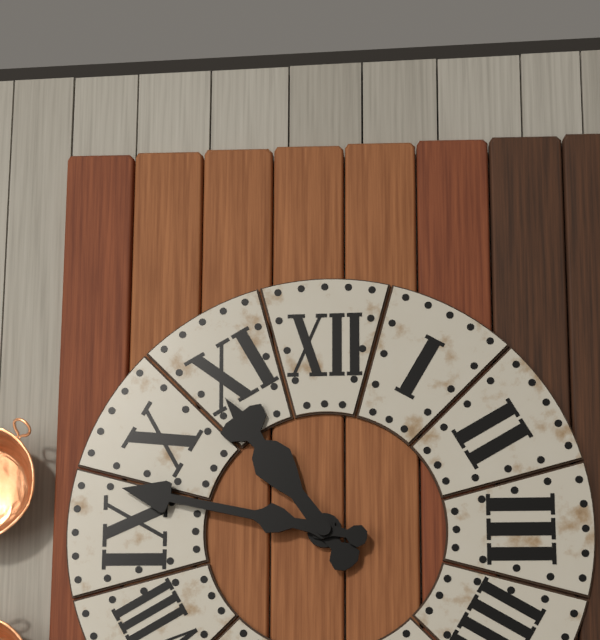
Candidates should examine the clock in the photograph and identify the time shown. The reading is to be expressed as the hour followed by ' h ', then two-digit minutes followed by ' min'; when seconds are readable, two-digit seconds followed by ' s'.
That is 10 h 47 min
